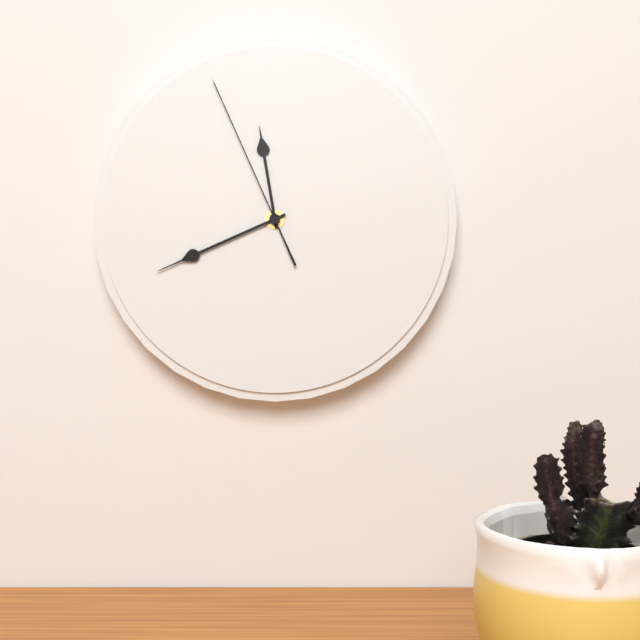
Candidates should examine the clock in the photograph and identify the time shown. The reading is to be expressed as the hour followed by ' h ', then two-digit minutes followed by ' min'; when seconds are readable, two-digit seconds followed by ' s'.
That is 11 h 41 min 56 s
